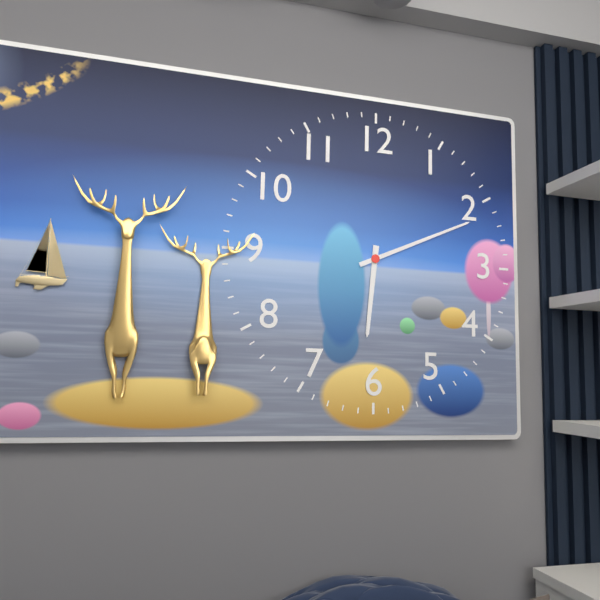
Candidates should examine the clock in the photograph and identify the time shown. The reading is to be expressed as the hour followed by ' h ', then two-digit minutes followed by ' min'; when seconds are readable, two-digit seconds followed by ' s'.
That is 6 h 11 min
